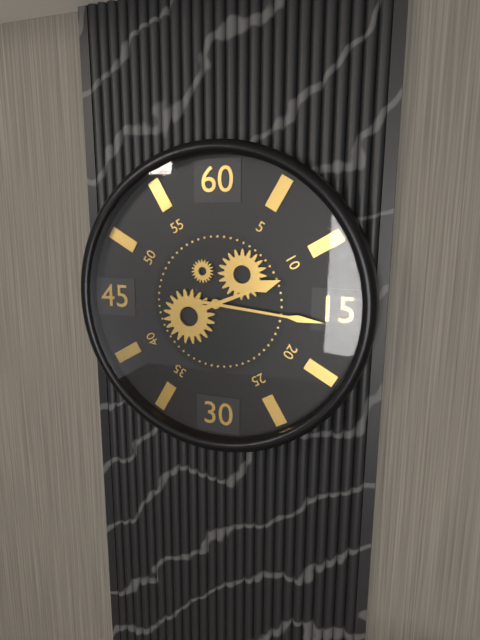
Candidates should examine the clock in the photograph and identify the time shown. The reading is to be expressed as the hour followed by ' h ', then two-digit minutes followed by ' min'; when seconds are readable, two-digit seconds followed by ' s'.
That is 2 h 16 min
